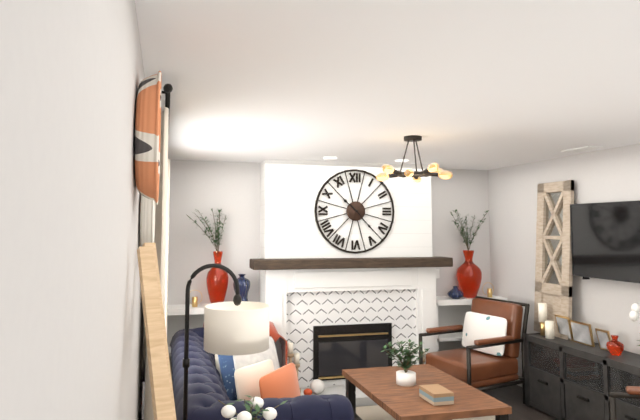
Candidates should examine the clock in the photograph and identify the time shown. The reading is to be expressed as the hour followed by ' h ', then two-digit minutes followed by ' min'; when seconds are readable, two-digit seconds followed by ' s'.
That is 10 h 23 min
